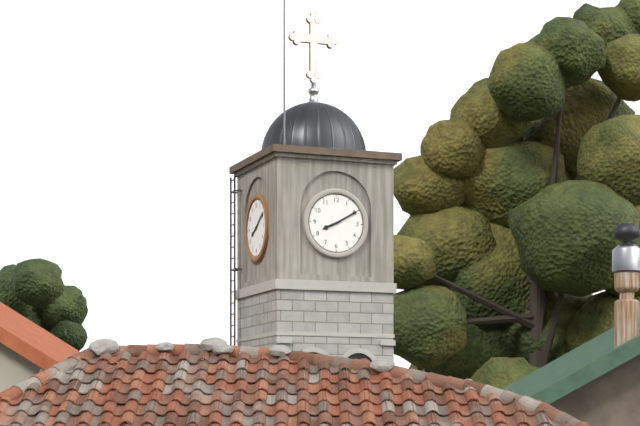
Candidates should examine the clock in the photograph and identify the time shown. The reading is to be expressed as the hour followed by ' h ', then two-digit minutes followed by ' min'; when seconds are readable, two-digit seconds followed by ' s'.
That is 8 h 10 min
